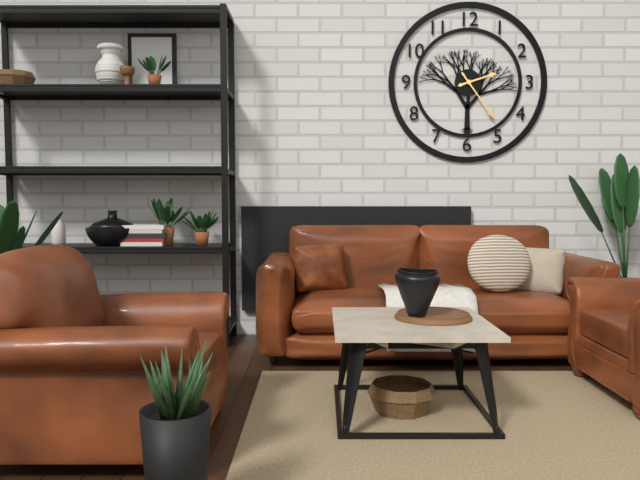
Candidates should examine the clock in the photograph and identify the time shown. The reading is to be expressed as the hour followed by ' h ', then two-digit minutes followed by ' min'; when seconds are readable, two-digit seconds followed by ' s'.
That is 2 h 24 min
